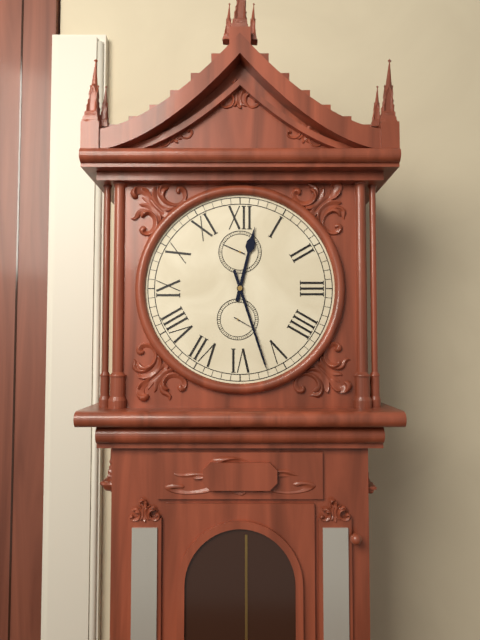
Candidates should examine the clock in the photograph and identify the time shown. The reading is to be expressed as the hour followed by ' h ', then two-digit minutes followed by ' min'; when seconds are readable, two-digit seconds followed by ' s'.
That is 12 h 27 min
